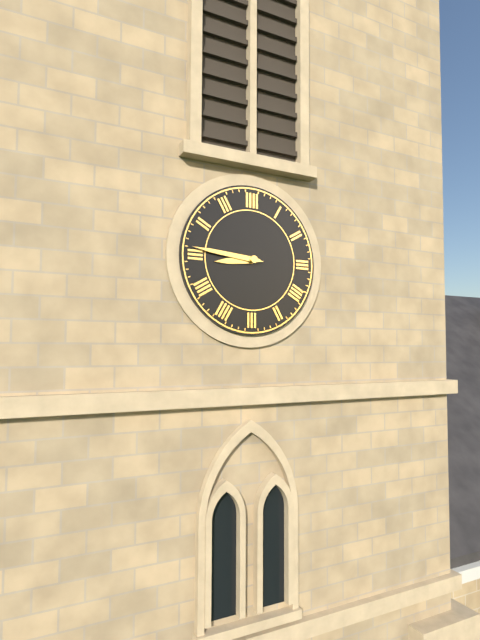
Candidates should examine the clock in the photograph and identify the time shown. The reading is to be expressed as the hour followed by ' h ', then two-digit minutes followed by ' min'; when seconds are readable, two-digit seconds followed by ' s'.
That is 8 h 46 min
